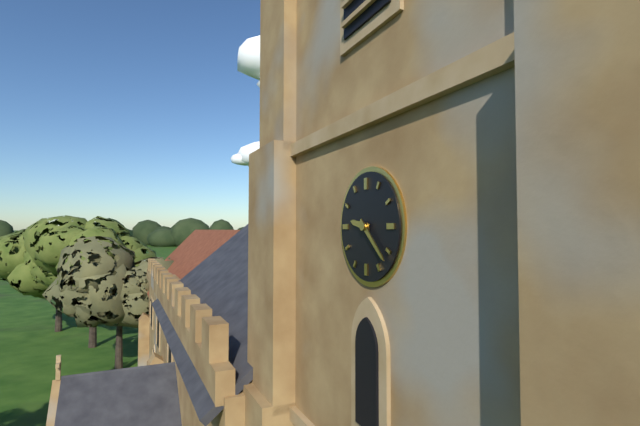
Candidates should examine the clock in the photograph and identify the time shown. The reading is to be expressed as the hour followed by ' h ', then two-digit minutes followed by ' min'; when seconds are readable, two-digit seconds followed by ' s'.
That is 9 h 22 min
